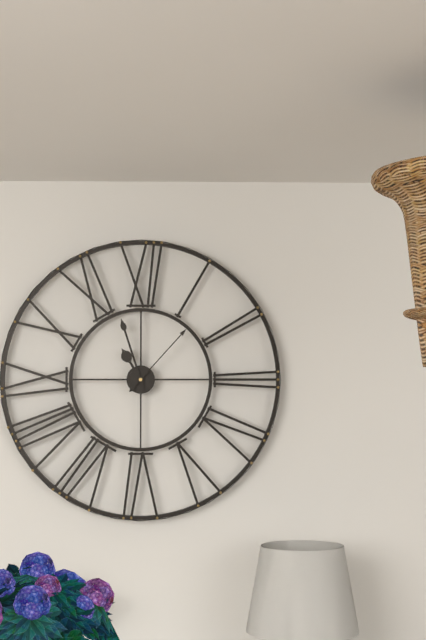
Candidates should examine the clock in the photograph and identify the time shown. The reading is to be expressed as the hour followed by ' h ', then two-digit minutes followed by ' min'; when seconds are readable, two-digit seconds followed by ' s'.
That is 10 h 57 min 07 s
